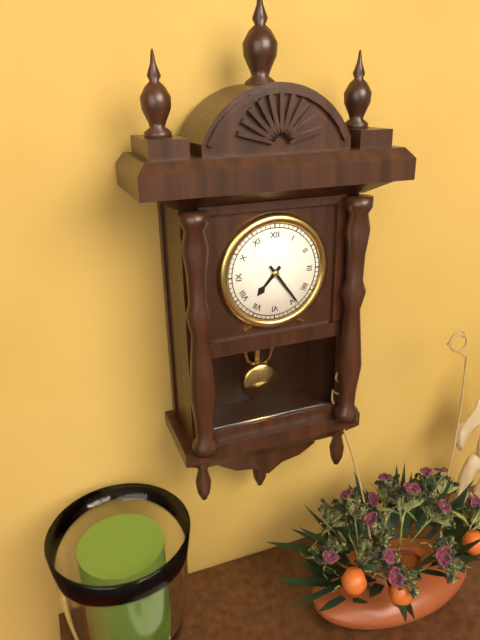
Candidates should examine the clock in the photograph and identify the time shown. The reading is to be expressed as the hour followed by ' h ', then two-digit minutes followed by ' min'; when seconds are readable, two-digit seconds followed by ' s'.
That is 7 h 24 min
